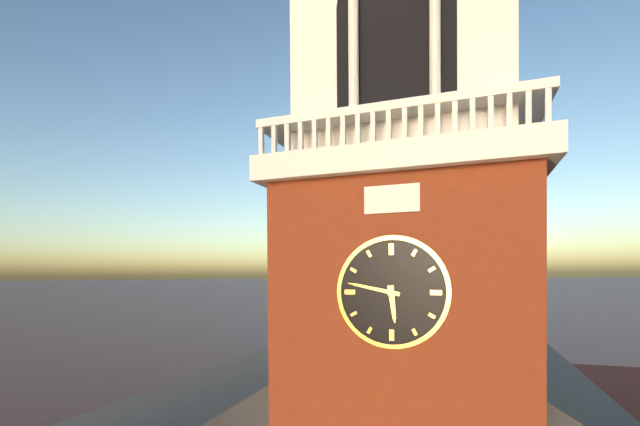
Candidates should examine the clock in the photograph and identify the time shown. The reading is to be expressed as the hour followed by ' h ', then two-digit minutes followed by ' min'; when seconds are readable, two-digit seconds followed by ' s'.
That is 5 h 47 min
